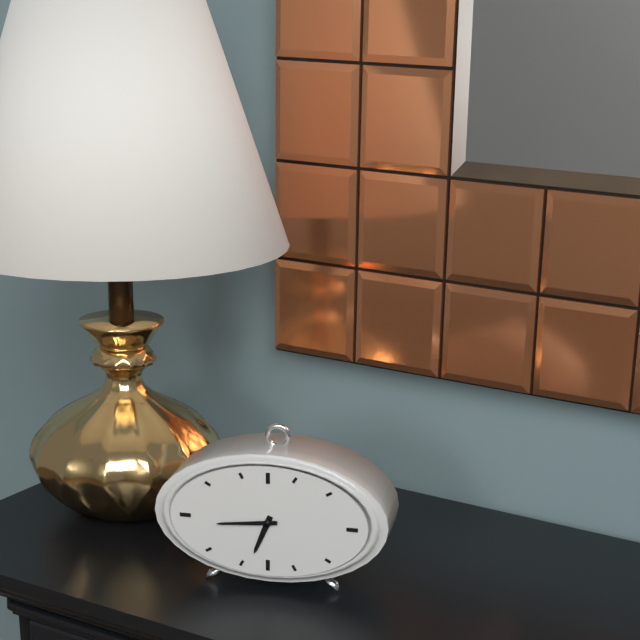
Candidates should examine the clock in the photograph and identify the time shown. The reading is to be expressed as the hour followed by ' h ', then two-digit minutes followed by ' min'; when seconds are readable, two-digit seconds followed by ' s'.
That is 6 h 44 min
